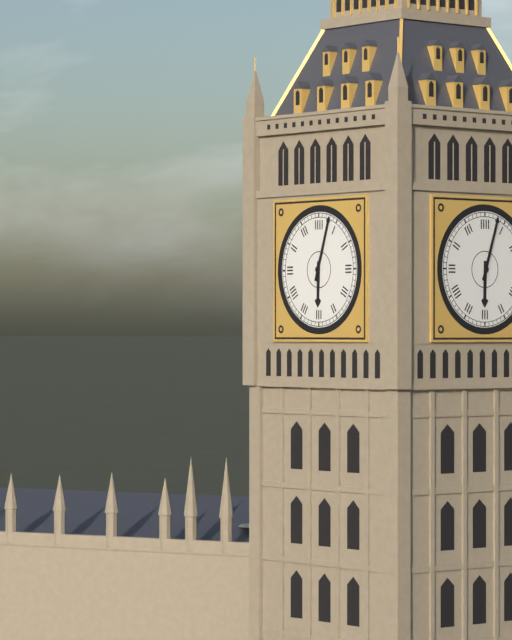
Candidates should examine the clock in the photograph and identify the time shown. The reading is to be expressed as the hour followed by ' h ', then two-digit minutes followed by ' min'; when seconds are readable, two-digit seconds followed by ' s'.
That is 6 h 03 min
